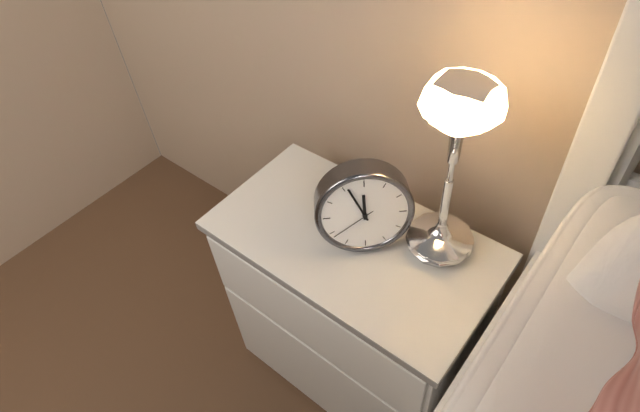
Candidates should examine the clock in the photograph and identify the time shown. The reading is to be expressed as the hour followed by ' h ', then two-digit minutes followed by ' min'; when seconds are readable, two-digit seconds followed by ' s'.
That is 11 h 56 min
